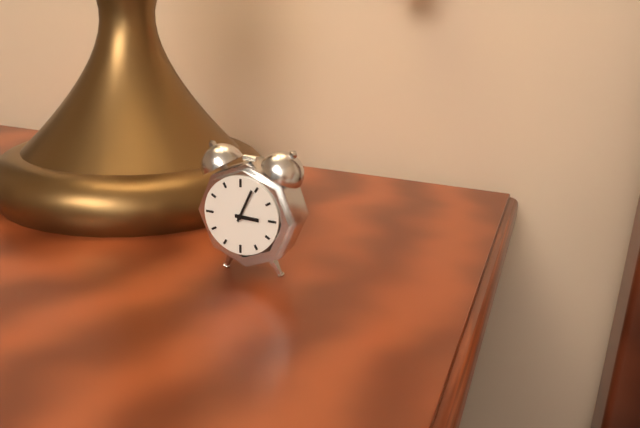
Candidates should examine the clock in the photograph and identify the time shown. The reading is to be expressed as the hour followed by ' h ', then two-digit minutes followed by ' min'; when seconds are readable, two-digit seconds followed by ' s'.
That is 3 h 04 min
